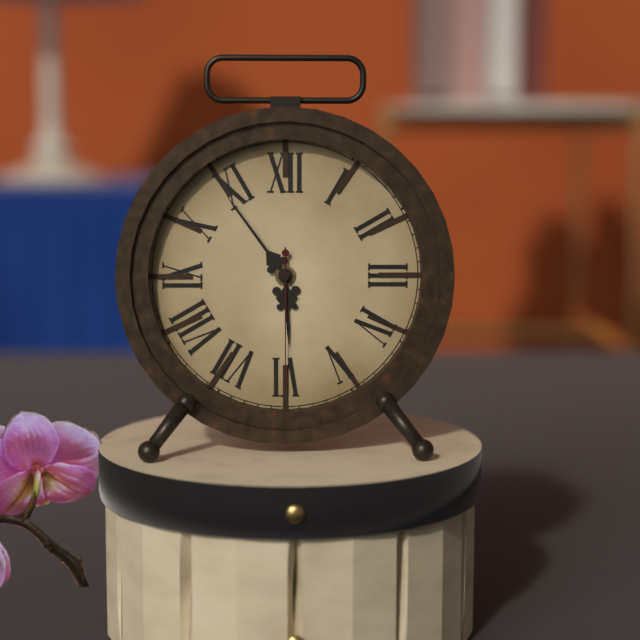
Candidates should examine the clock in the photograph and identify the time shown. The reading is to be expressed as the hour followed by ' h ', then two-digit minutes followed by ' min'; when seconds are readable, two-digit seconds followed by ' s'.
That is 5 h 54 min 30 s
